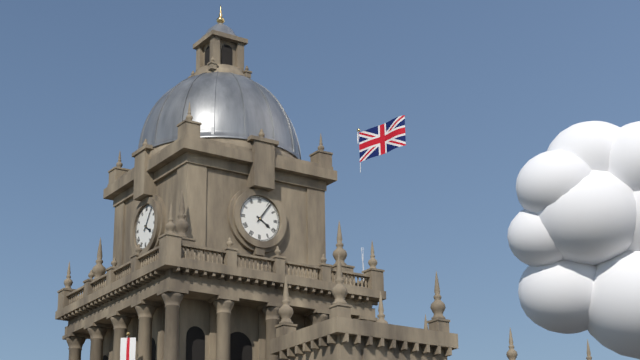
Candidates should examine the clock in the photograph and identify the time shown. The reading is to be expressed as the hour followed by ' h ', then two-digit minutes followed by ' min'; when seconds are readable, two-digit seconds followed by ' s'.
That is 4 h 06 min
